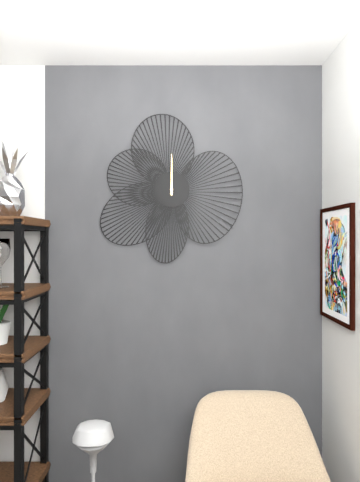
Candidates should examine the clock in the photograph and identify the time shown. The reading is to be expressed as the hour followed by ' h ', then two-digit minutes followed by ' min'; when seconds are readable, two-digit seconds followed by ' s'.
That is 12 h 00 min
